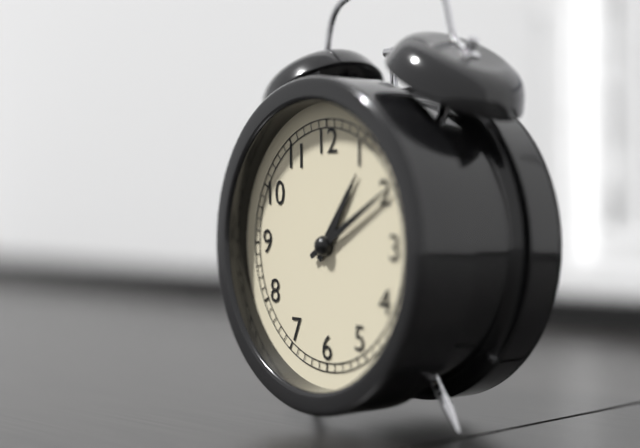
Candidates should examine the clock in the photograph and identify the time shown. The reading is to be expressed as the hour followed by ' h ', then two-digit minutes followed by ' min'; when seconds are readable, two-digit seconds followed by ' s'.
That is 1 h 10 min
